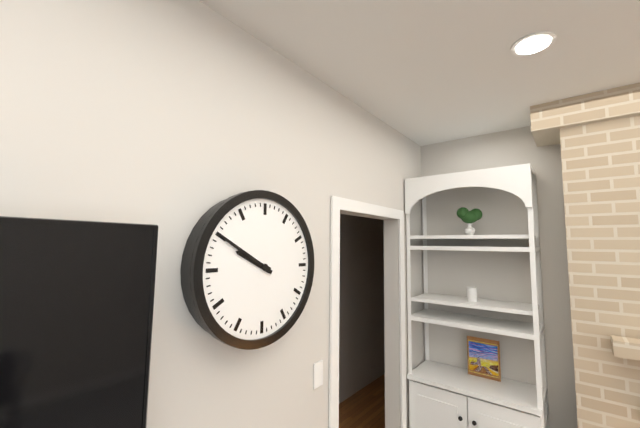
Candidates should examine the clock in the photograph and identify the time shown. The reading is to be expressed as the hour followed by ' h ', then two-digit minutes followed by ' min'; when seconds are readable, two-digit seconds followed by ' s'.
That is 9 h 50 min
